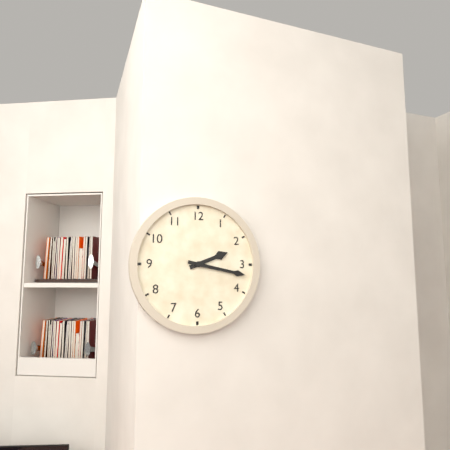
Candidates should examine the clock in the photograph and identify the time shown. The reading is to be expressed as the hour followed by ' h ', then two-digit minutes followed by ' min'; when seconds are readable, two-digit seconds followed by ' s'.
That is 2 h 17 min
